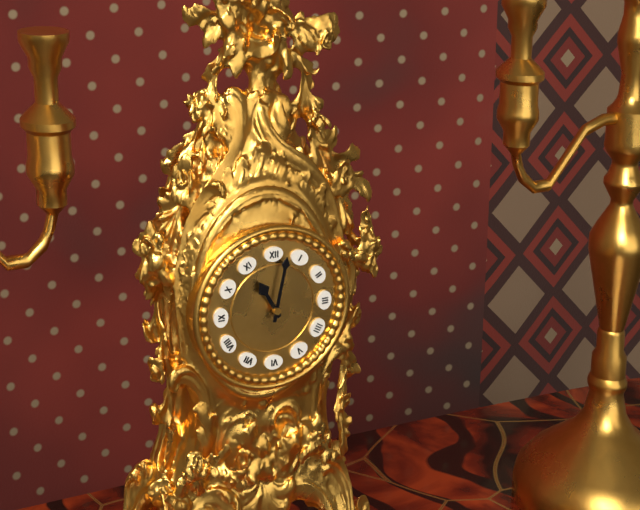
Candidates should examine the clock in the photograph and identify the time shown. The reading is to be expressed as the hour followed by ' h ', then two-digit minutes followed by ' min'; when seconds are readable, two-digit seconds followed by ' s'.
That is 11 h 02 min
